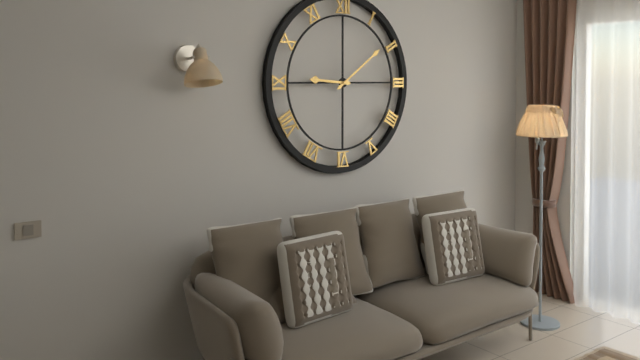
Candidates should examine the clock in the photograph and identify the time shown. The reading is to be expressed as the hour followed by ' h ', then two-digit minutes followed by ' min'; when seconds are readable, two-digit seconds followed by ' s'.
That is 9 h 09 min
